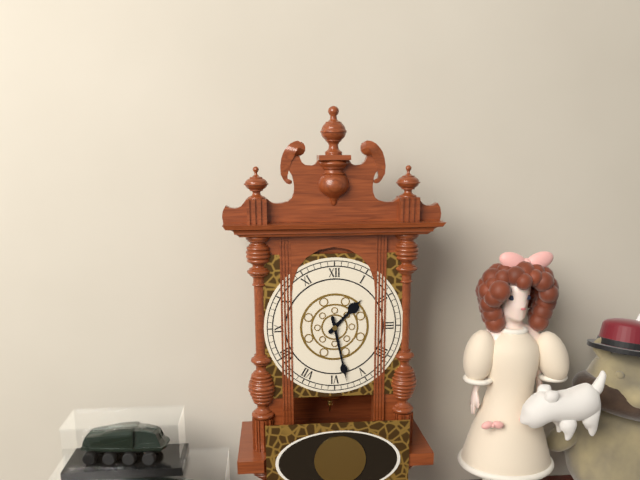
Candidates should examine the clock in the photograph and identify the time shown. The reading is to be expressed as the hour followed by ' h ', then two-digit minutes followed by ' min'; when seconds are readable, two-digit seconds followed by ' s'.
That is 1 h 28 min
